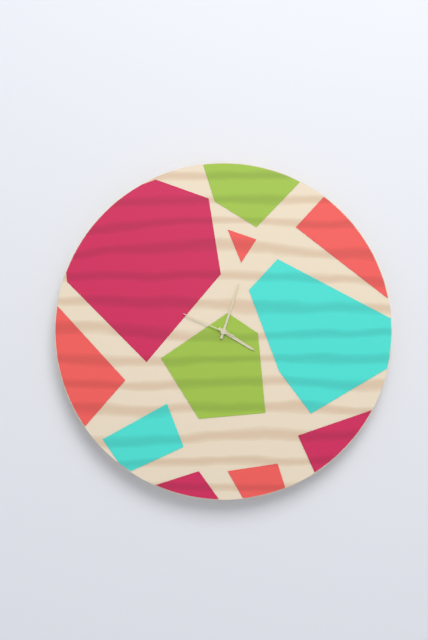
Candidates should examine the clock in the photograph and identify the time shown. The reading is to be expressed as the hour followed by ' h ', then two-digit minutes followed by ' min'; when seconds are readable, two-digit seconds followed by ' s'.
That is 4 h 03 min 49 s
